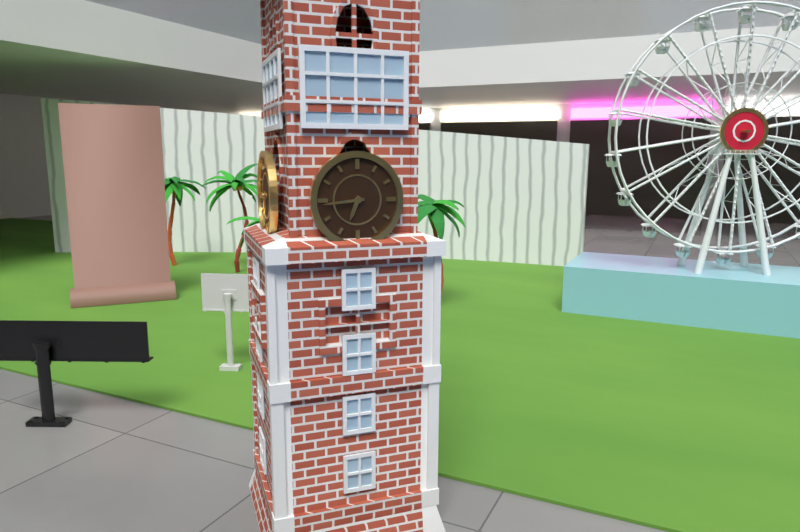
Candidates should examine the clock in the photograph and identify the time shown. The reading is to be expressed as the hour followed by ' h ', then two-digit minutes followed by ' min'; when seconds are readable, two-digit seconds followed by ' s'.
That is 6 h 44 min
